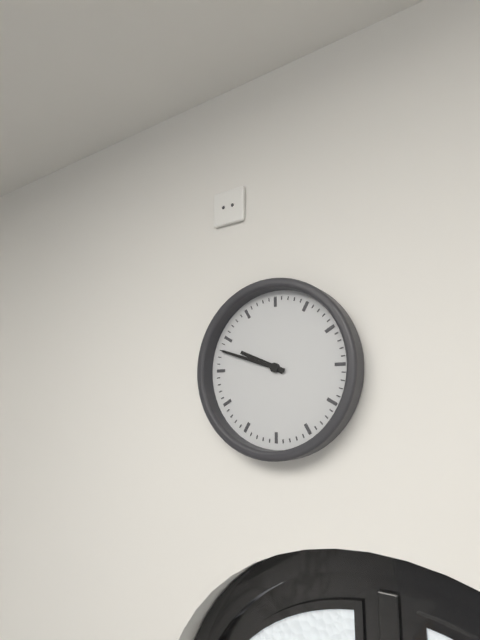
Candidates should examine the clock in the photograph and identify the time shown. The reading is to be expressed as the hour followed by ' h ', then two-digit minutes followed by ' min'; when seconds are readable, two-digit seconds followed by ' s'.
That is 9 h 48 min
